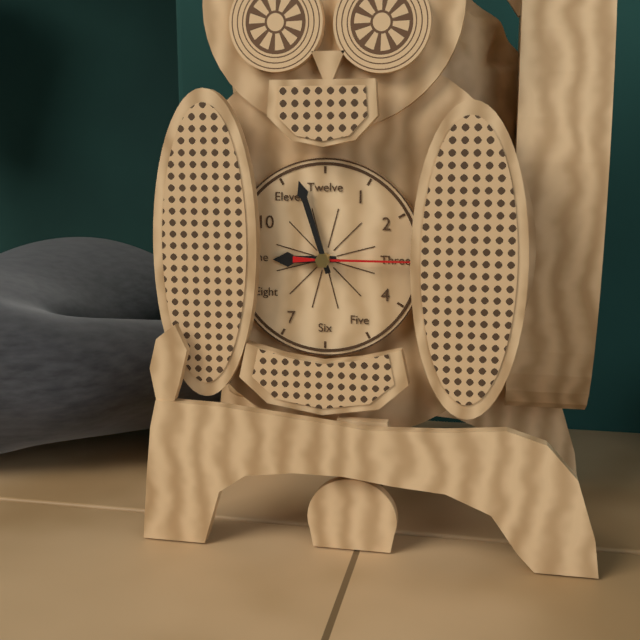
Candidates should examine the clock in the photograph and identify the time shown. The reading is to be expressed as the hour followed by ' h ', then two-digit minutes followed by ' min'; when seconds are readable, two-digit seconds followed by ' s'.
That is 8 h 57 min 15 s
